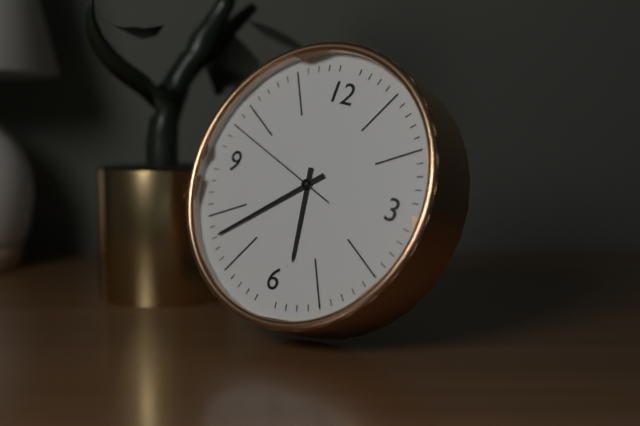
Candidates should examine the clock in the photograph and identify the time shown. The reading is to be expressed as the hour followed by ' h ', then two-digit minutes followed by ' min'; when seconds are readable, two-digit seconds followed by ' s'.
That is 5 h 38 min 48 s
